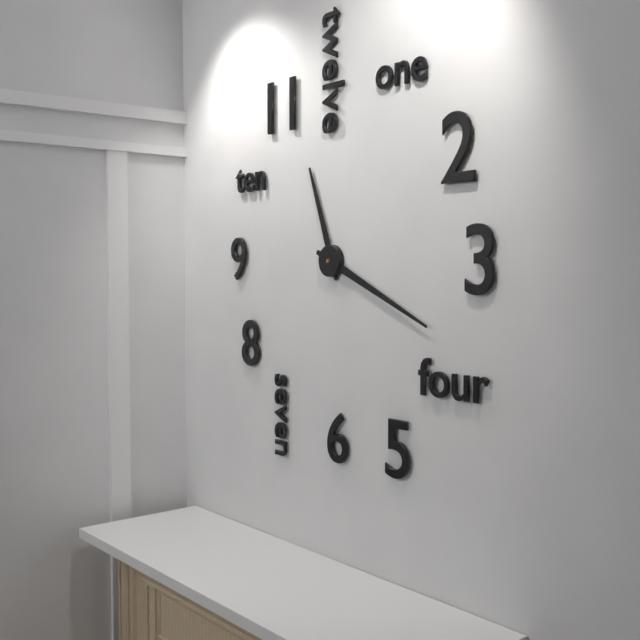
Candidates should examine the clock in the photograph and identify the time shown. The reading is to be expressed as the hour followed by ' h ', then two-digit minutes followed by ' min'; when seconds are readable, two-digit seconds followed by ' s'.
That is 11 h 19 min
